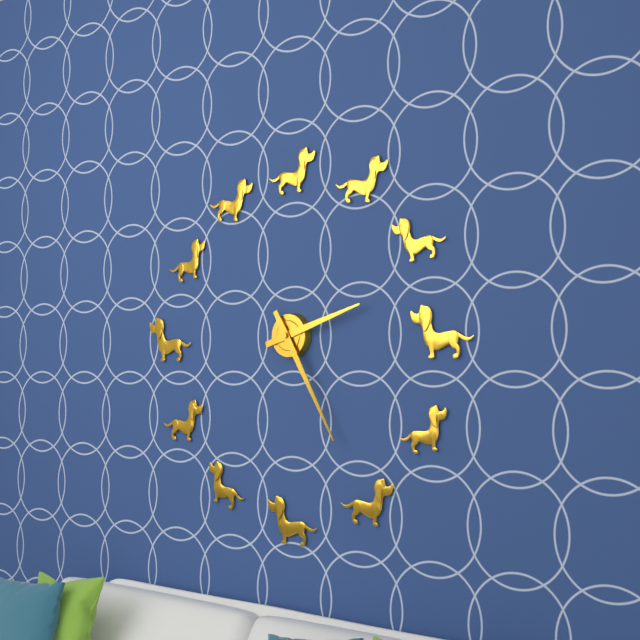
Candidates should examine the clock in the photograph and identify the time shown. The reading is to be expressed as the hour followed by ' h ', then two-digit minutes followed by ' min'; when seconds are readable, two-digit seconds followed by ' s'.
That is 2 h 25 min
